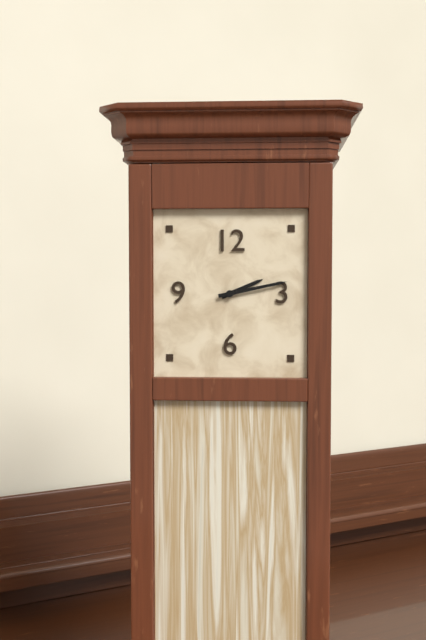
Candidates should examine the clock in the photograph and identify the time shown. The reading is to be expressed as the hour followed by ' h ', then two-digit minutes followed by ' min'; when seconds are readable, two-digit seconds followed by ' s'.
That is 2 h 13 min
